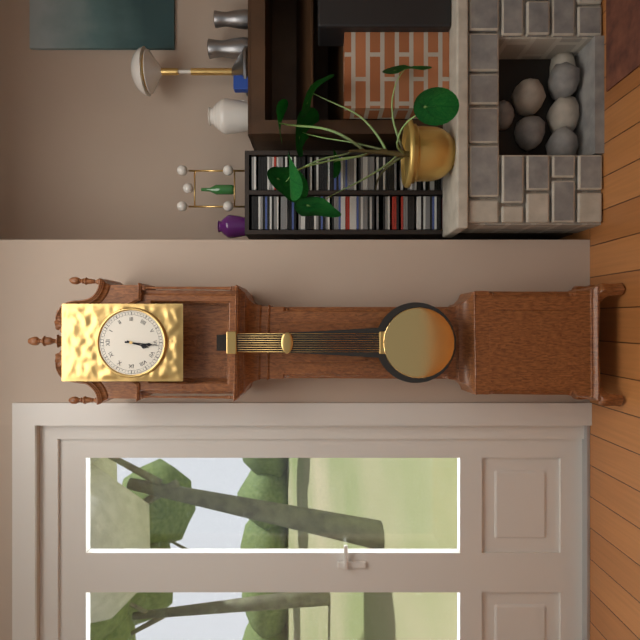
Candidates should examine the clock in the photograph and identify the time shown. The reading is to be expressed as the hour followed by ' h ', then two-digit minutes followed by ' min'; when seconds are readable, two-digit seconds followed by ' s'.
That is 6 h 31 min
